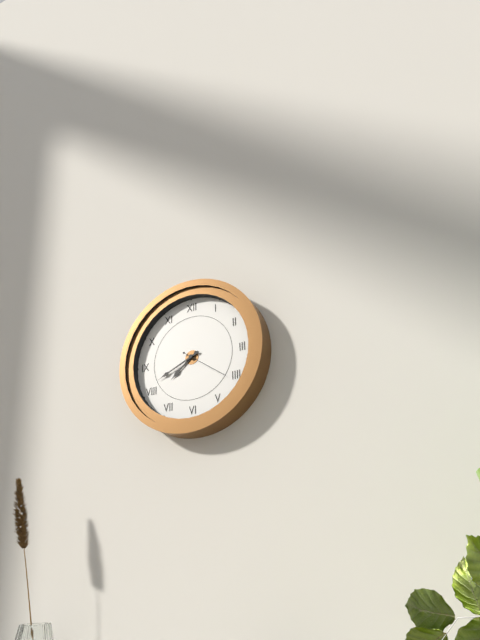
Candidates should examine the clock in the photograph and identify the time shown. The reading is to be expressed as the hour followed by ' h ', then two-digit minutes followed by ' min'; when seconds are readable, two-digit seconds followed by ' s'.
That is 7 h 41 min
